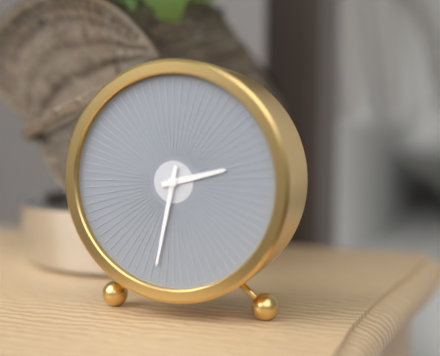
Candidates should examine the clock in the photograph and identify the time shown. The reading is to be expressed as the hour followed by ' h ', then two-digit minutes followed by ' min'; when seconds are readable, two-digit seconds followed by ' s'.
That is 2 h 32 min
